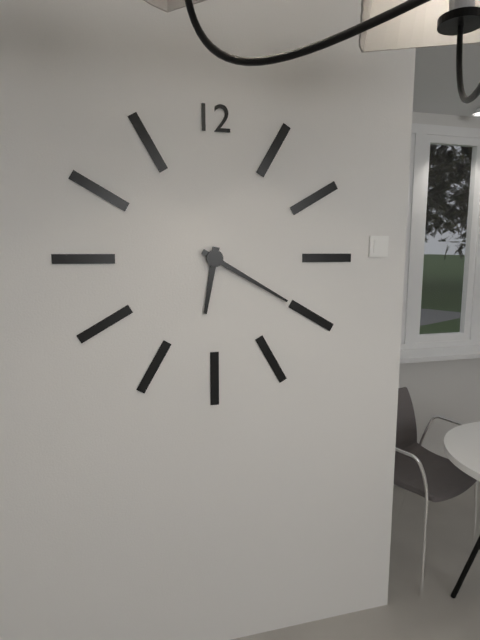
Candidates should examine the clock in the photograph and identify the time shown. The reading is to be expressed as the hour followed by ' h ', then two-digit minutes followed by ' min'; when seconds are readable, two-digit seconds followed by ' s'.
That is 6 h 20 min
